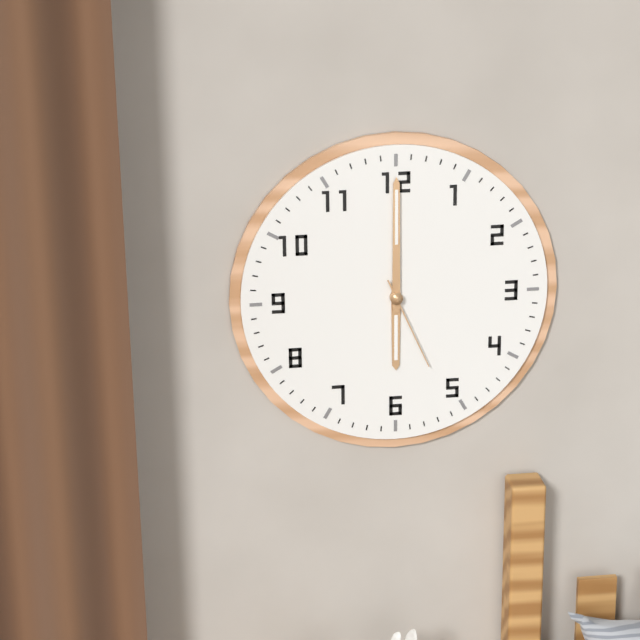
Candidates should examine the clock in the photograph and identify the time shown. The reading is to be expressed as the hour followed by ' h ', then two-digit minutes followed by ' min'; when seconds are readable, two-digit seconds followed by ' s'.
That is 6 h 00 min 26 s
